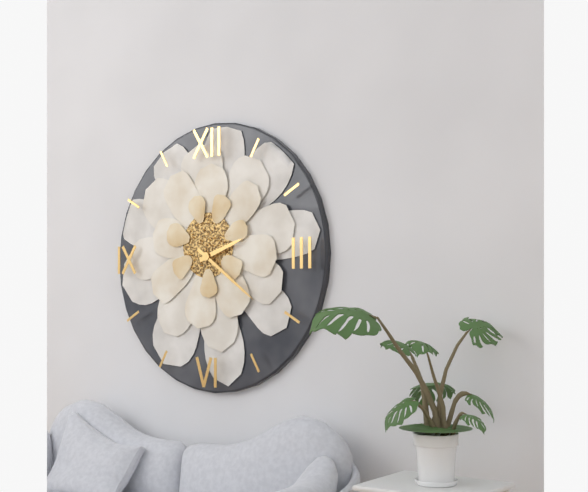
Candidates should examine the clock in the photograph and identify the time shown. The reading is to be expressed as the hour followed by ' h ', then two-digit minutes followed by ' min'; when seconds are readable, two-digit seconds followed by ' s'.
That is 2 h 21 min
